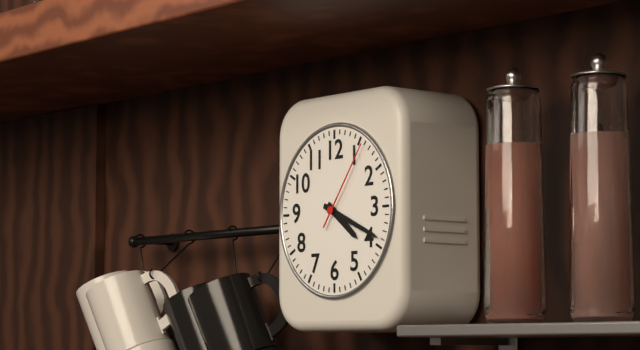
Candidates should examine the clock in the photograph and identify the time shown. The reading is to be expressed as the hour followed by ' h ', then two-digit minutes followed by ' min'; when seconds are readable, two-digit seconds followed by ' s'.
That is 4 h 19 min 06 s
